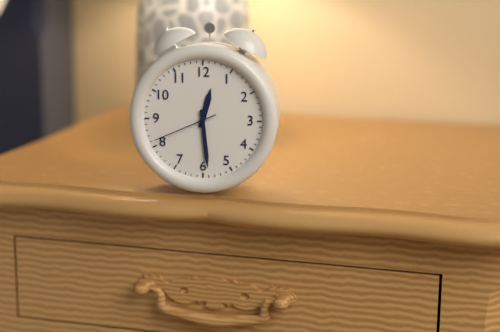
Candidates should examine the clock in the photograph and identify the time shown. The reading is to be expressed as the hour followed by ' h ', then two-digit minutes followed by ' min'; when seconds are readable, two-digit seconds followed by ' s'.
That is 12 h 29 min 41 s
